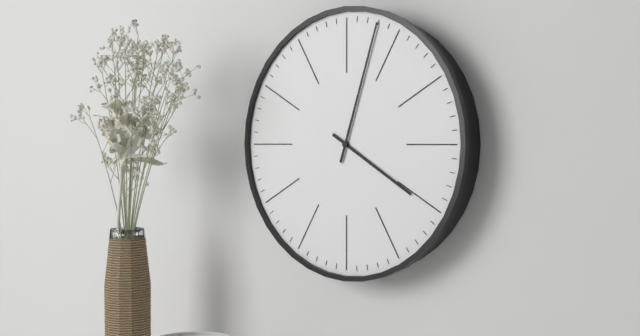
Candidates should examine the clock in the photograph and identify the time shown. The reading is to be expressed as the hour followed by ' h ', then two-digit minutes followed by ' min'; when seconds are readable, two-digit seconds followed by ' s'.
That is 4 h 03 min
